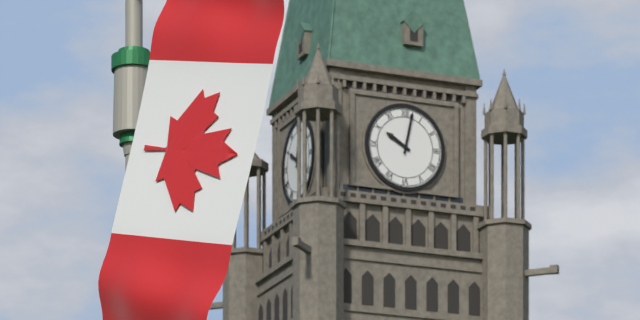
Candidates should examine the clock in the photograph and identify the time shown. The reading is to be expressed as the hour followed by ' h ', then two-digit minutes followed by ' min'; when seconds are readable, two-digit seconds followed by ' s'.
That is 10 h 02 min
